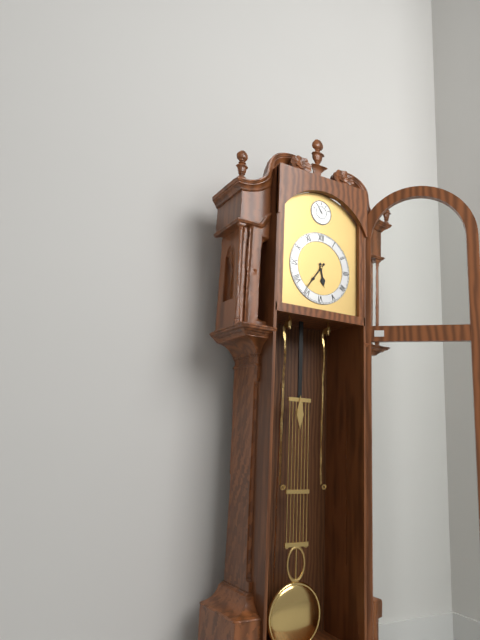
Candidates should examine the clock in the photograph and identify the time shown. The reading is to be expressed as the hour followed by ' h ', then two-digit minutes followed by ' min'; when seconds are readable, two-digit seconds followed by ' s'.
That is 5 h 36 min
